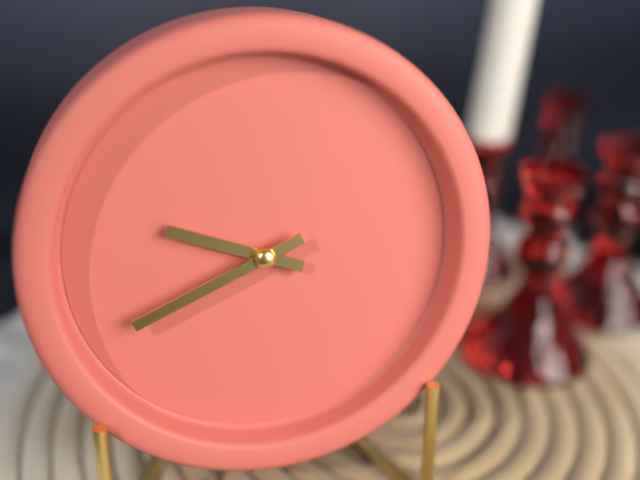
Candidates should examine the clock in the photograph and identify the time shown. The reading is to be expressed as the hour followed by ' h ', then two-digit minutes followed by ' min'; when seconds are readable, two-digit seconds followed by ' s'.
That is 9 h 41 min
